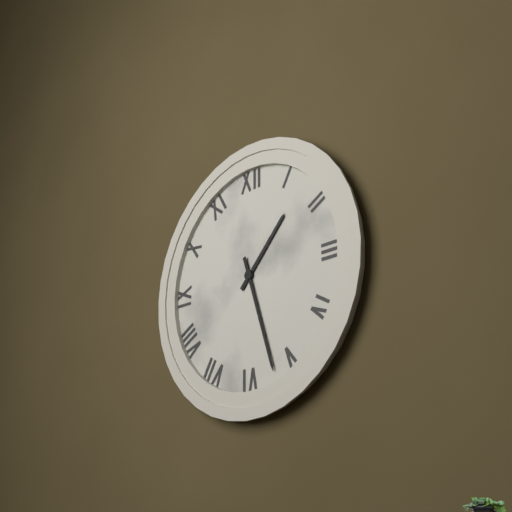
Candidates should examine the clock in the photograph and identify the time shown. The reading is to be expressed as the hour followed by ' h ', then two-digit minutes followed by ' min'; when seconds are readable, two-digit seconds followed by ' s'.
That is 1 h 27 min
